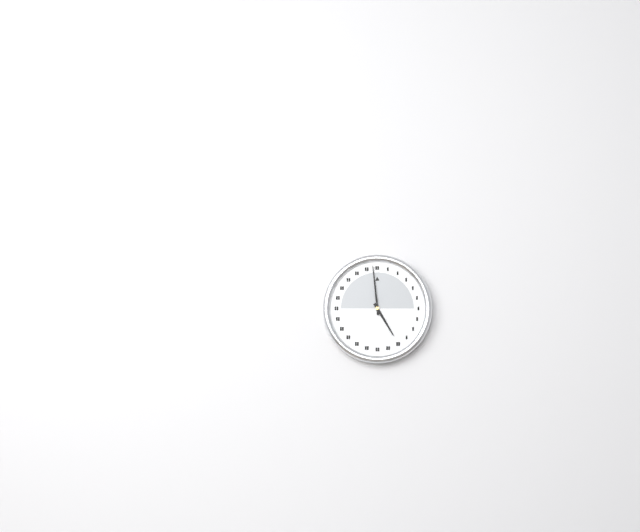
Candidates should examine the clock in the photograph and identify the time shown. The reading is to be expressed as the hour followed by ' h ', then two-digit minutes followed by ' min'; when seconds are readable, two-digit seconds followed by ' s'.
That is 4 h 59 min
